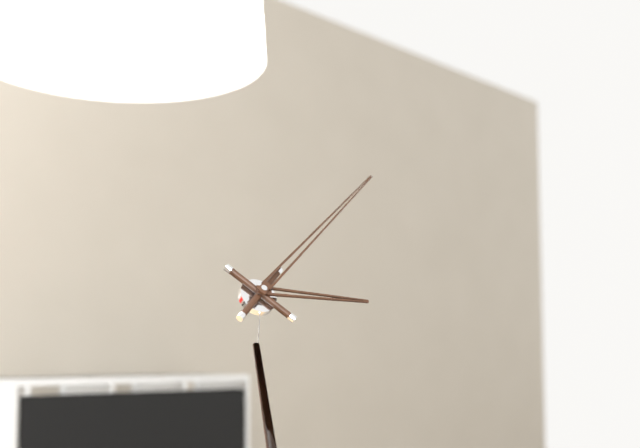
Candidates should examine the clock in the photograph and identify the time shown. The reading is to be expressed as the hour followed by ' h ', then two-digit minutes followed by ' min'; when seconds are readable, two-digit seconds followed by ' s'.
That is 3 h 08 min
